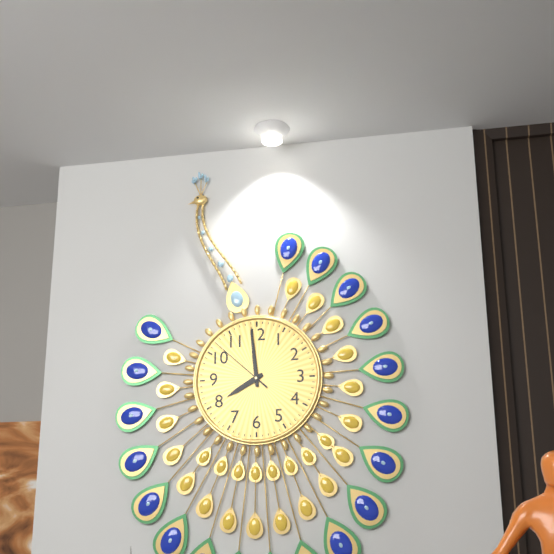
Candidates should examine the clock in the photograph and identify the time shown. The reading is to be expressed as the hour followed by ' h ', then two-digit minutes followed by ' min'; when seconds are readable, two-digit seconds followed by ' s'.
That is 7 h 59 min 52 s
